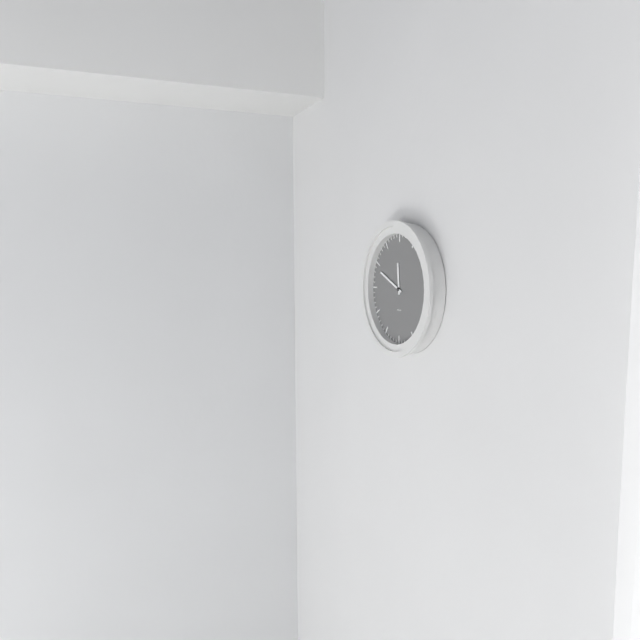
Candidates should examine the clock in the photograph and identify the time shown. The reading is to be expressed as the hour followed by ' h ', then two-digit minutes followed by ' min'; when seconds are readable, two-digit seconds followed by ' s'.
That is 11 h 49 min
